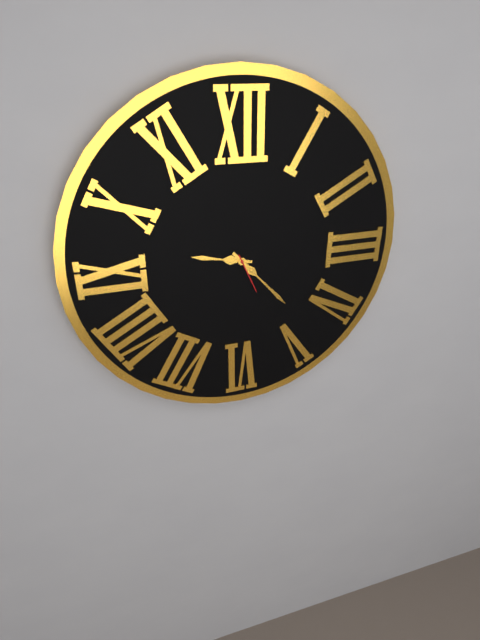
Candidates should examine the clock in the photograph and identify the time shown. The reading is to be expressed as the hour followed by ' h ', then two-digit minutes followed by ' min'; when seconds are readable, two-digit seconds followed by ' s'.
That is 9 h 23 min
